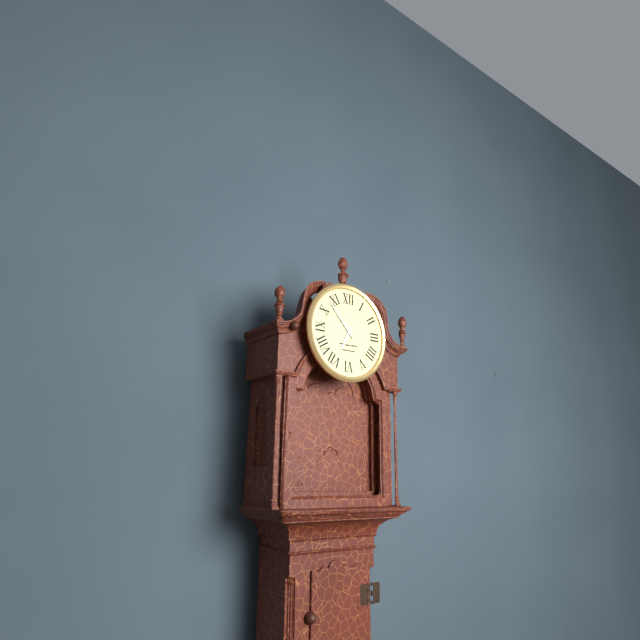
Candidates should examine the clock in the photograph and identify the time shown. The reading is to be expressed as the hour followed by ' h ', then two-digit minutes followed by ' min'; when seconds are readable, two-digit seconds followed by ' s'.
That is 6 h 53 min
